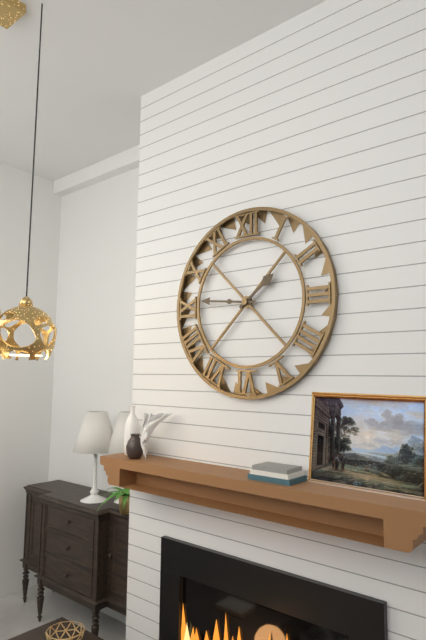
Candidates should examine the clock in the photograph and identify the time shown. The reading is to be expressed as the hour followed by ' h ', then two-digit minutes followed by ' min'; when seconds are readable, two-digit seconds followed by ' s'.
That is 1 h 46 min
